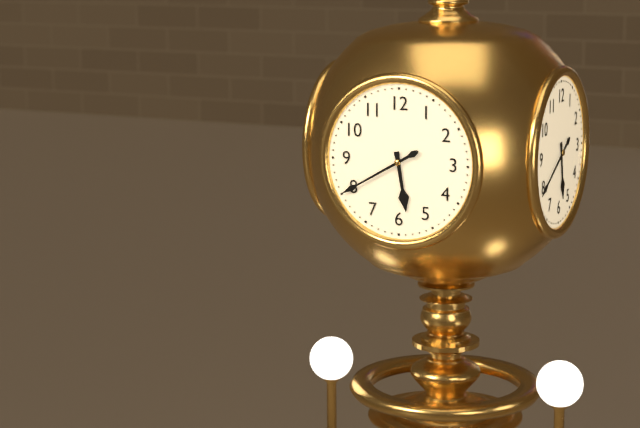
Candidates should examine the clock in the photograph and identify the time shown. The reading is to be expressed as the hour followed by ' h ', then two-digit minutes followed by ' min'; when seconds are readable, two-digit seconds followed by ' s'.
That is 5 h 40 min
